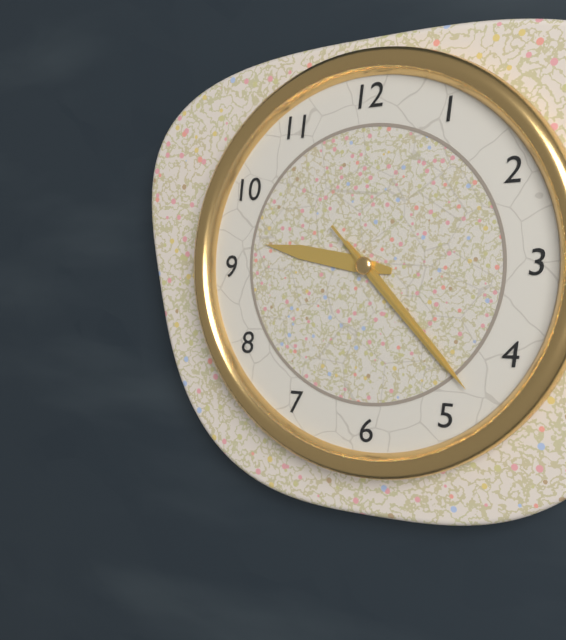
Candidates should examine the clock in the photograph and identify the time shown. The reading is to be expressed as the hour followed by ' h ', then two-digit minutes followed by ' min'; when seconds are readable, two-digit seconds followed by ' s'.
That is 9 h 23 min 23 s
